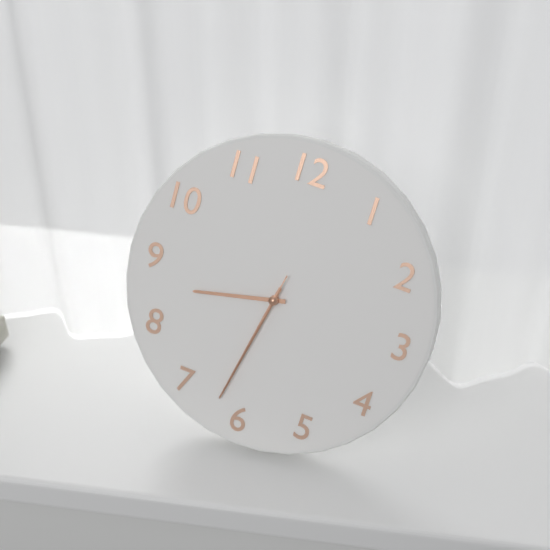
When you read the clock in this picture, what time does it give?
8:32:32
